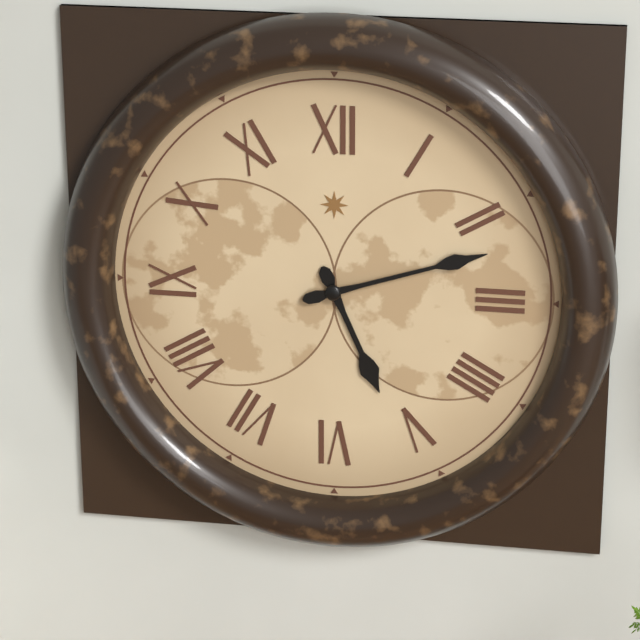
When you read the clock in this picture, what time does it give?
5:12
